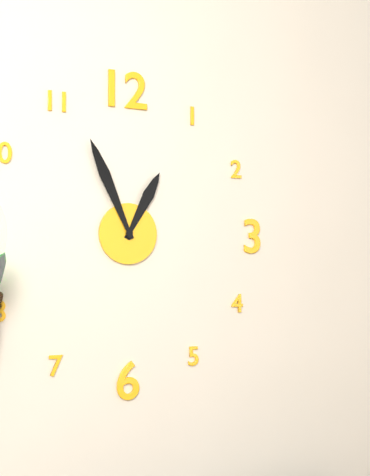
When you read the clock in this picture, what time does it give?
12:56
